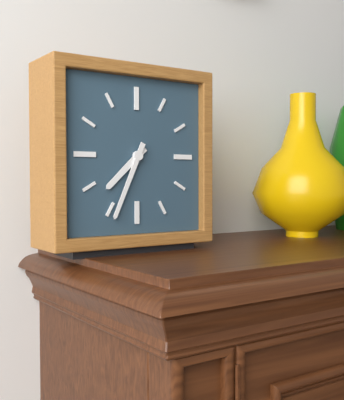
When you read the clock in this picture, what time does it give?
7:34
